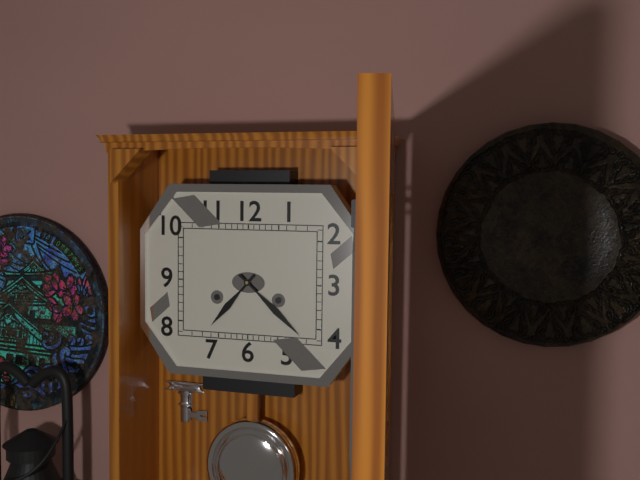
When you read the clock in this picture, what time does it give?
7:22
